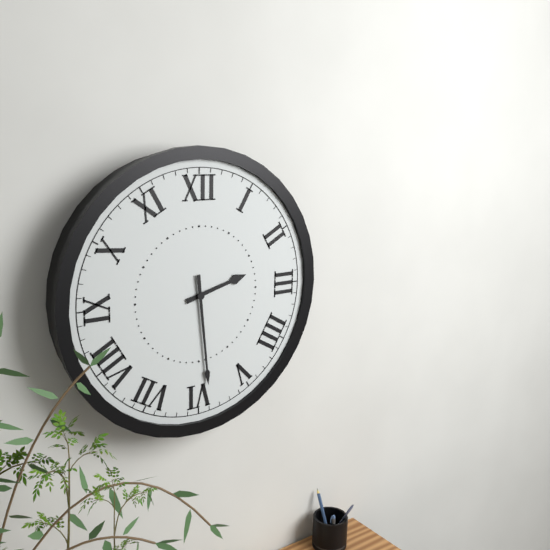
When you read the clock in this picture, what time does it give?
2:29
